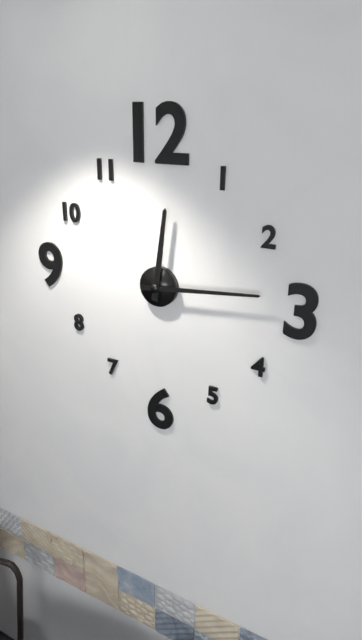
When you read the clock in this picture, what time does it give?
12:14
